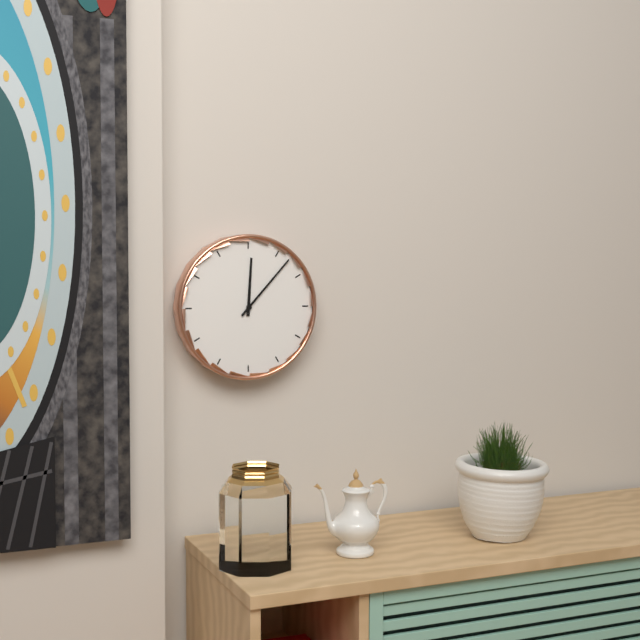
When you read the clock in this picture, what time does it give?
12:07
